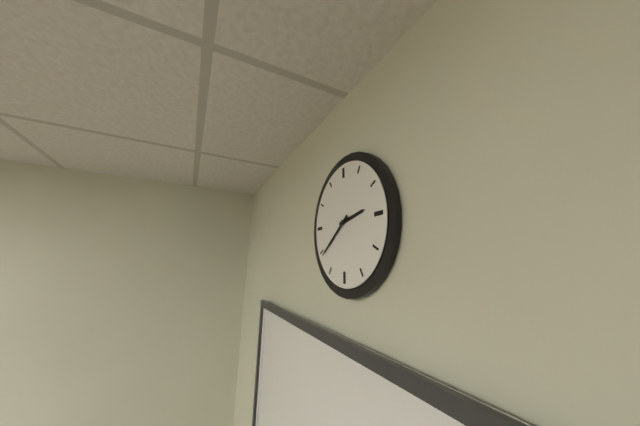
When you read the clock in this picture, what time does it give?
2:39
